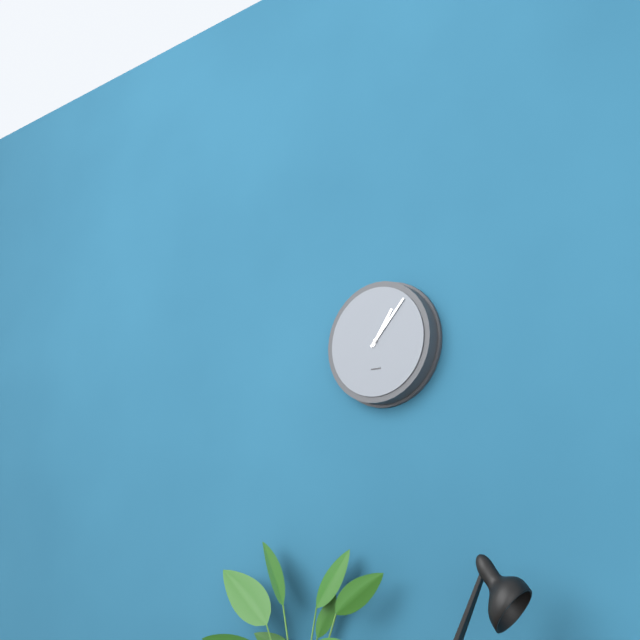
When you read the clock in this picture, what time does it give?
1:07
